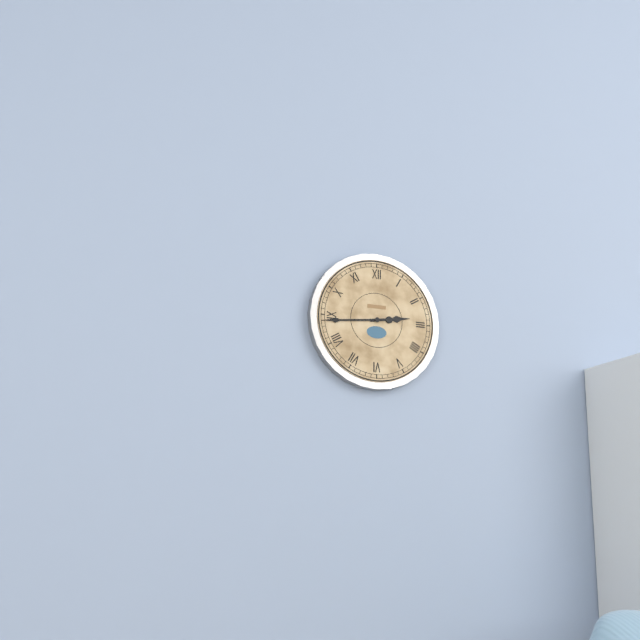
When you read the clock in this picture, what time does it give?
2:44
